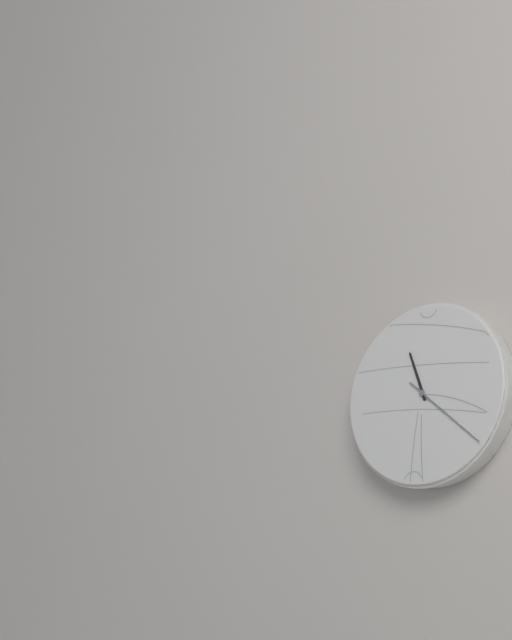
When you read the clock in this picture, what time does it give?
11:22
